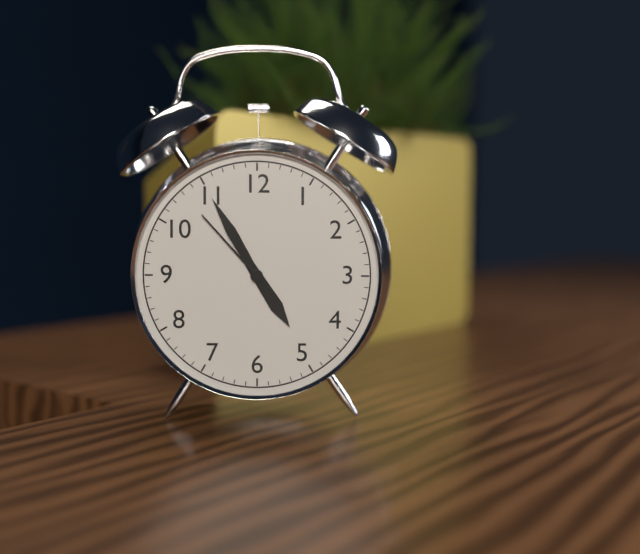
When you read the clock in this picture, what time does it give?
4:55:53
